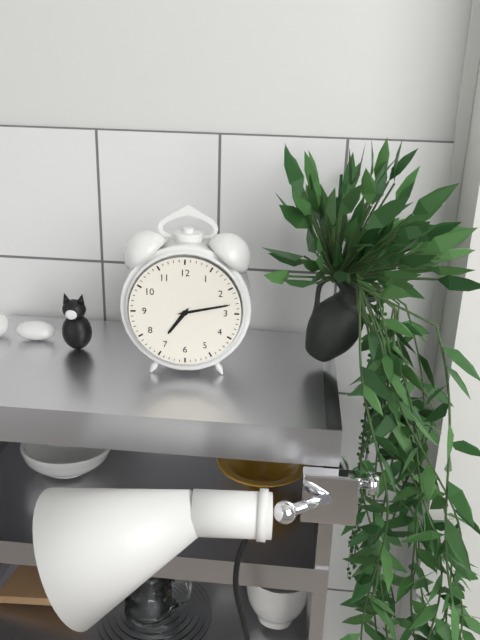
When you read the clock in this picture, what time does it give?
7:13
